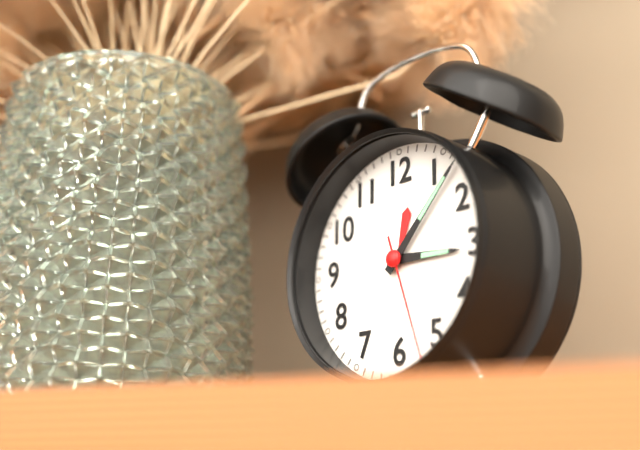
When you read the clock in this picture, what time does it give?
3:07:27
